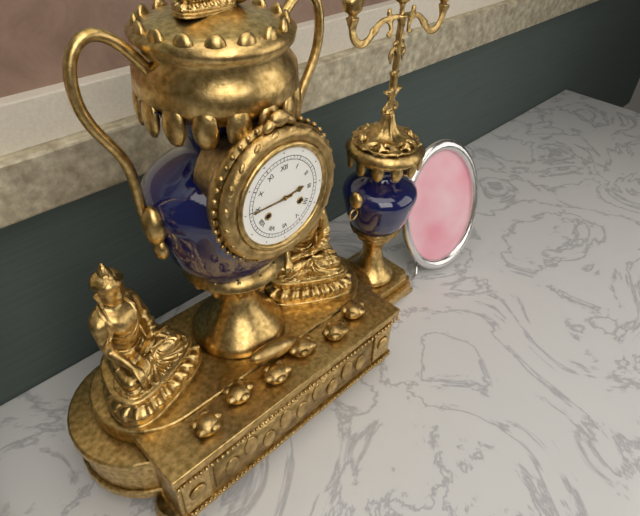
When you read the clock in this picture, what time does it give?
2:45
